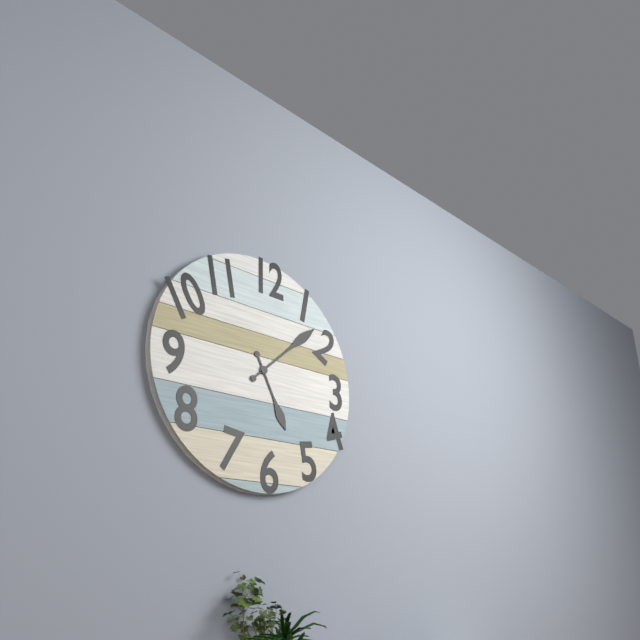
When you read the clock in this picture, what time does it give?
5:08
